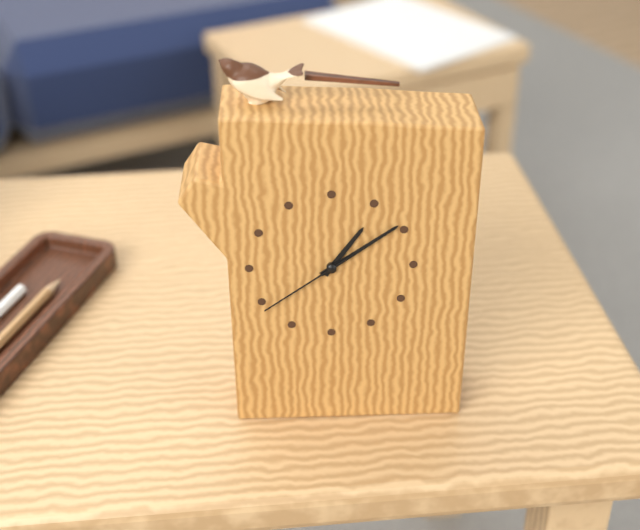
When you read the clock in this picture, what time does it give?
1:09:39
